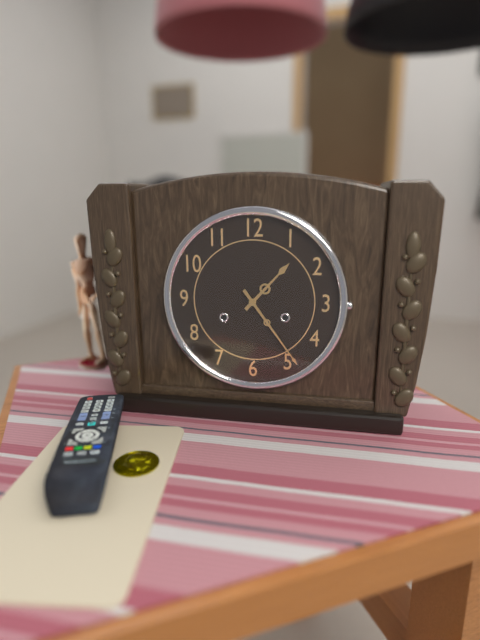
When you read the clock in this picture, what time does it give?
1:24
